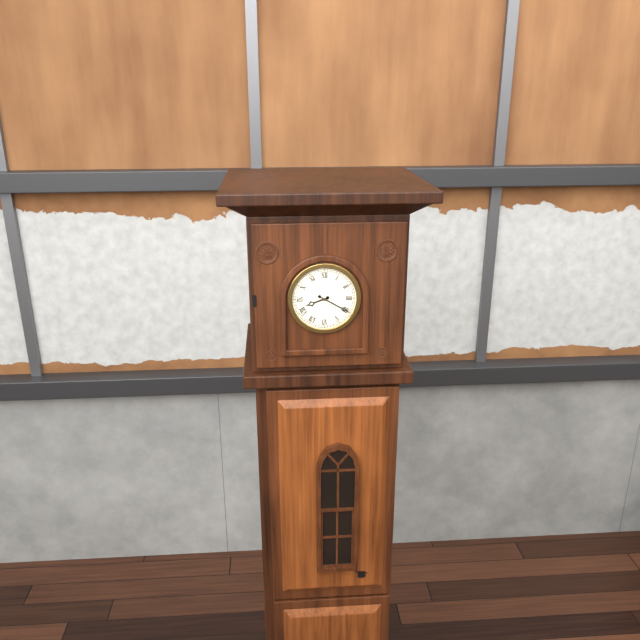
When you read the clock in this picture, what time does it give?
8:20
